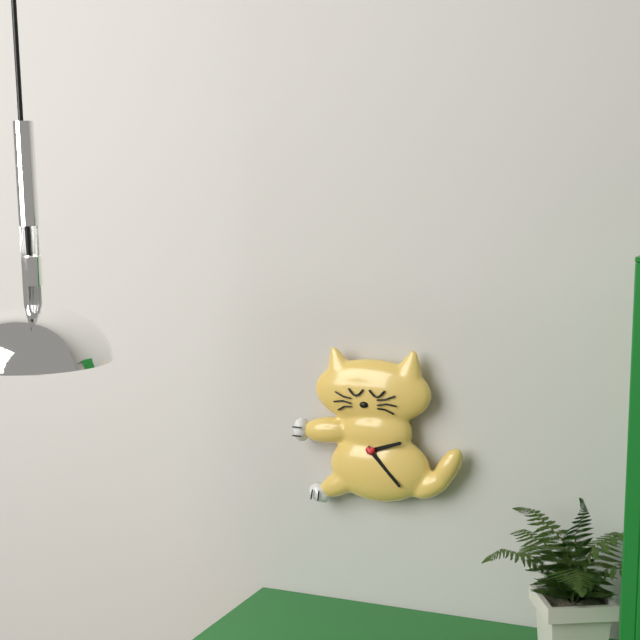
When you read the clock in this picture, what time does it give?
2:23
